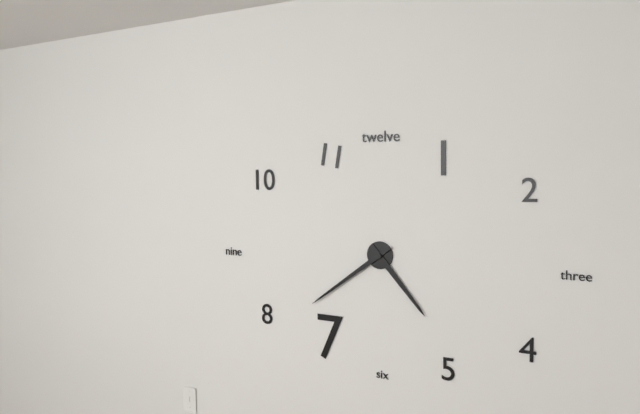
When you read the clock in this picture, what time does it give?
4:39
